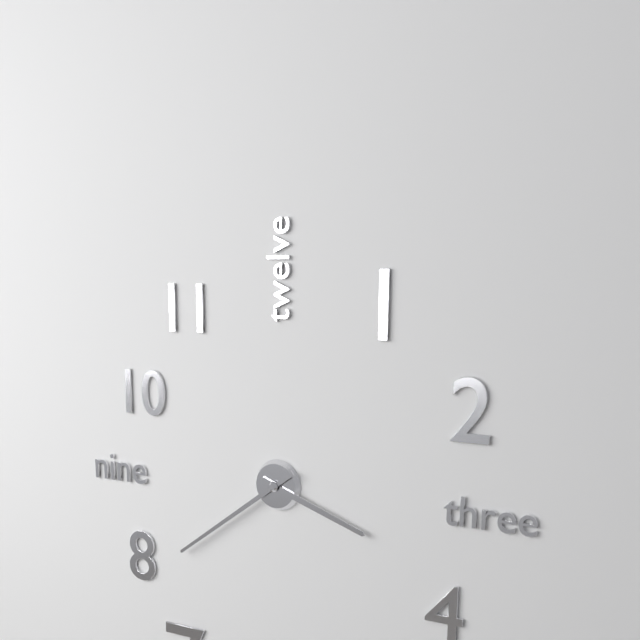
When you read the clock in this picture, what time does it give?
3:39
